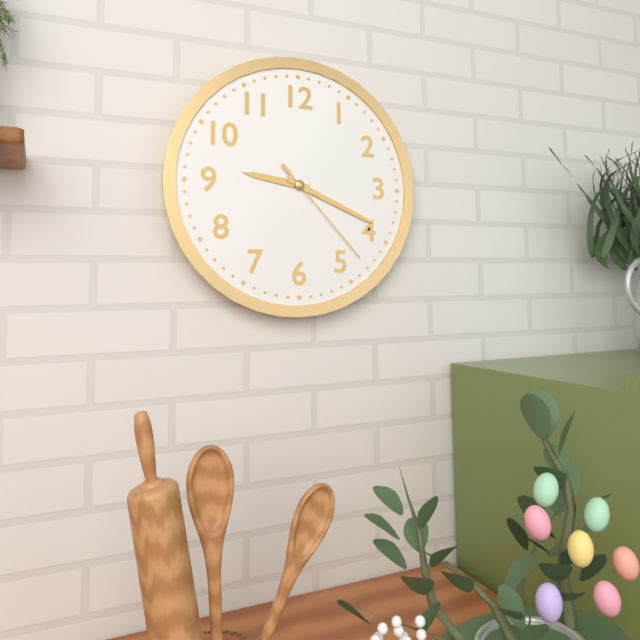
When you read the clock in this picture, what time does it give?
9:19:23
